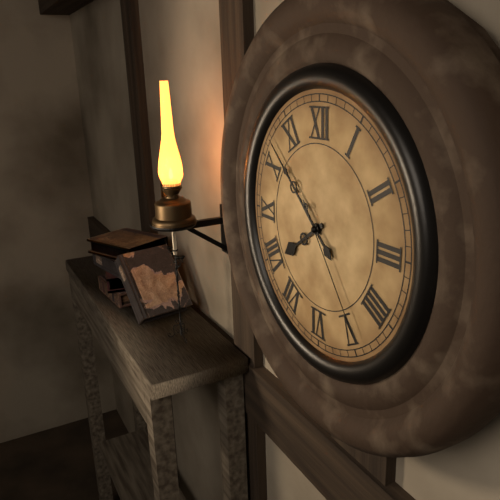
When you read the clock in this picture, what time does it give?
7:52:24
